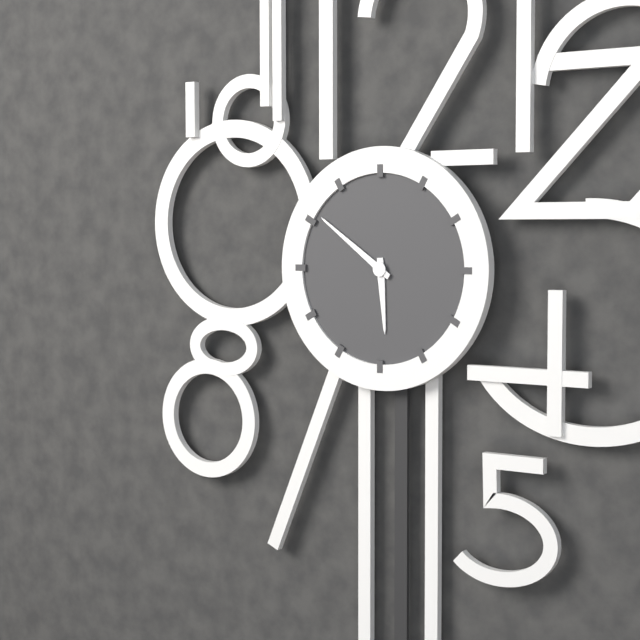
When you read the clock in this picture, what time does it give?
5:51
